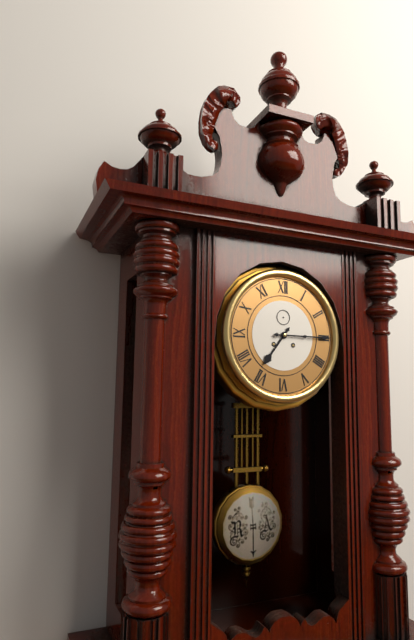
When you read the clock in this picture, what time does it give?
7:15
